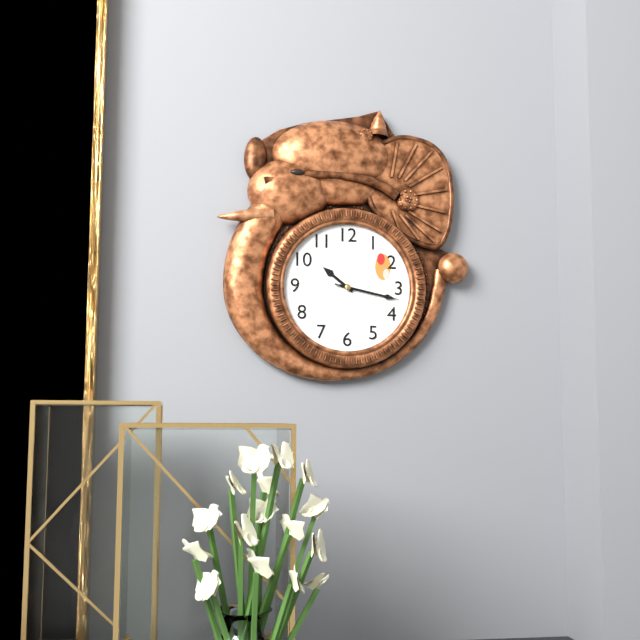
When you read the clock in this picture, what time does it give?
10:17:17
